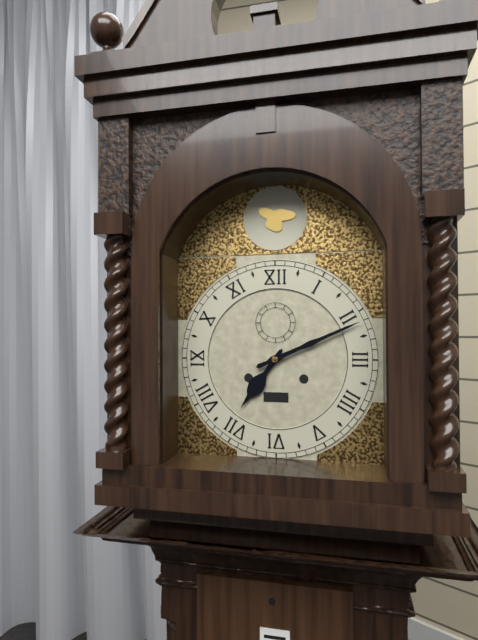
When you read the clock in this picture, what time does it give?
7:11
